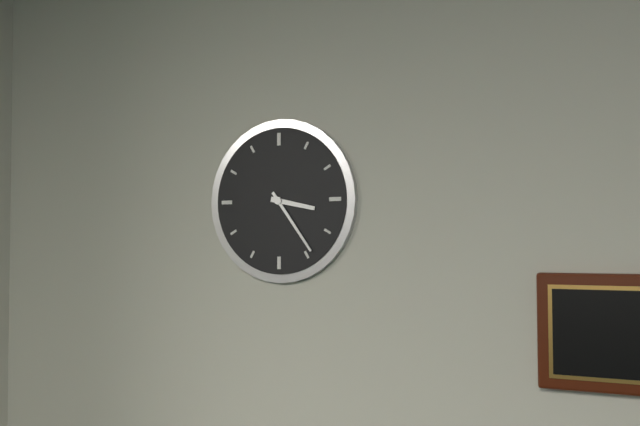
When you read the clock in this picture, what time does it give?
3:24
